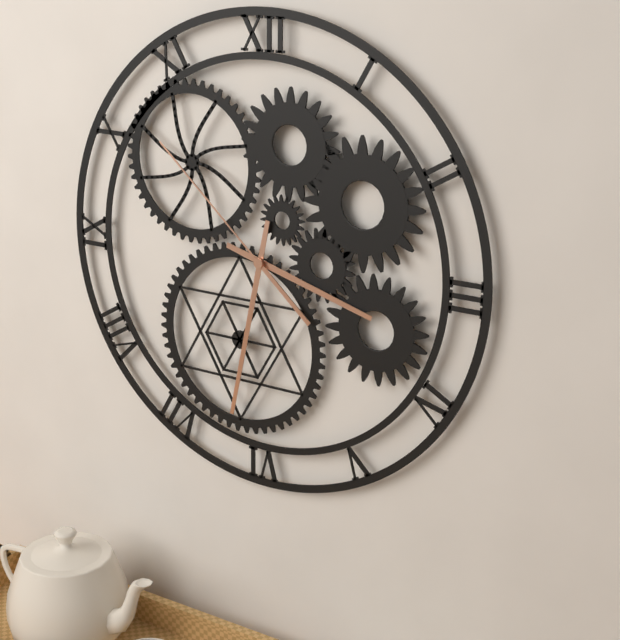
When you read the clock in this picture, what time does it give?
3:32:52
